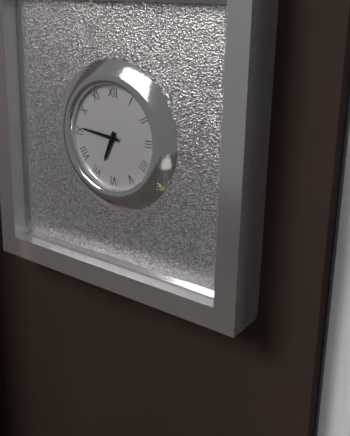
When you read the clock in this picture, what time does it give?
6:46
